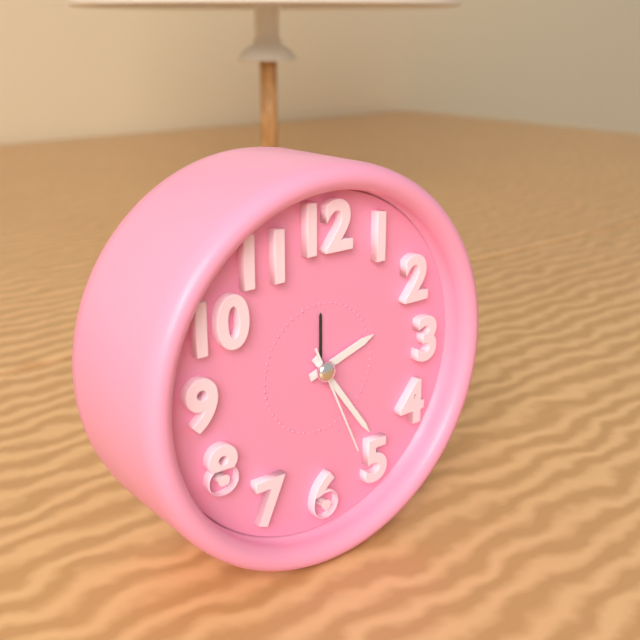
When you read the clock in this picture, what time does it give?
2:24:26
